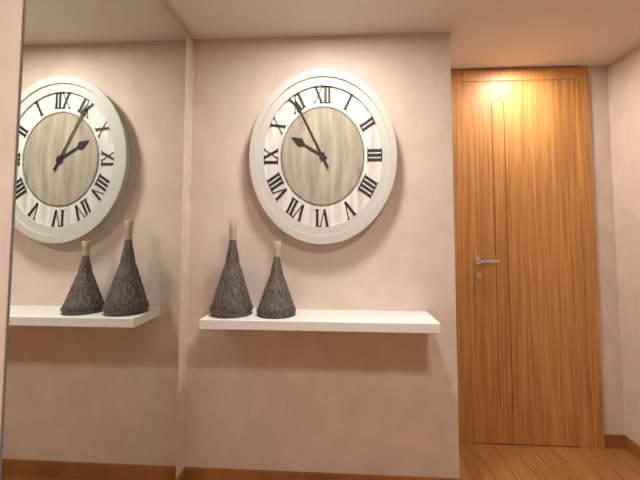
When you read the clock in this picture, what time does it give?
9:55
